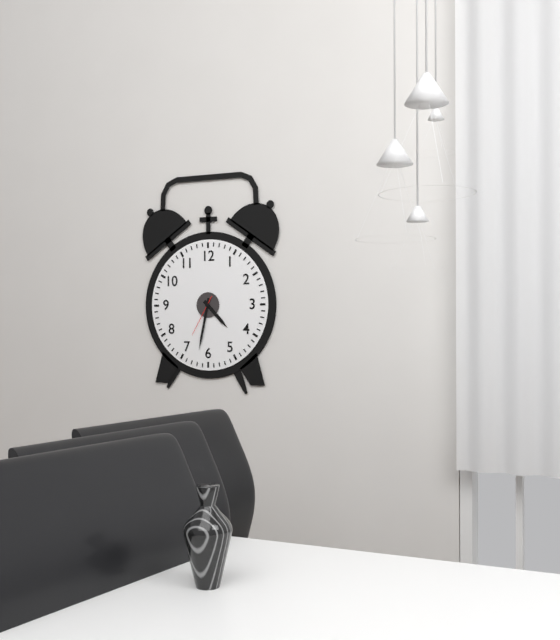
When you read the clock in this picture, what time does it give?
4:32
